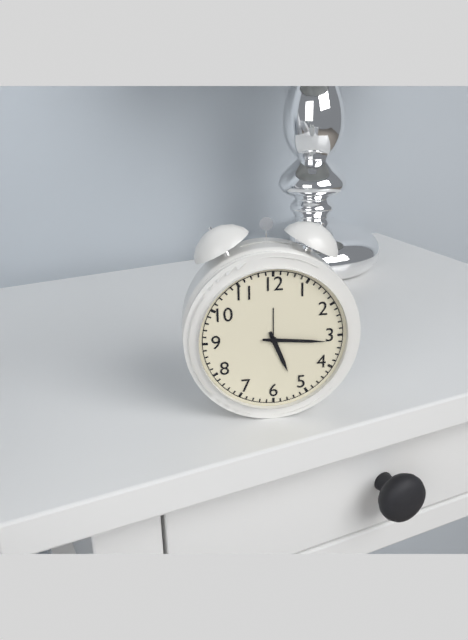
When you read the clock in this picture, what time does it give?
5:16
